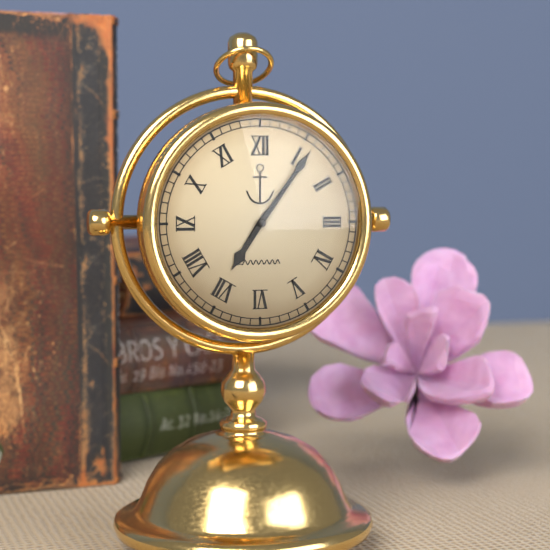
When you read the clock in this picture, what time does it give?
7:06
